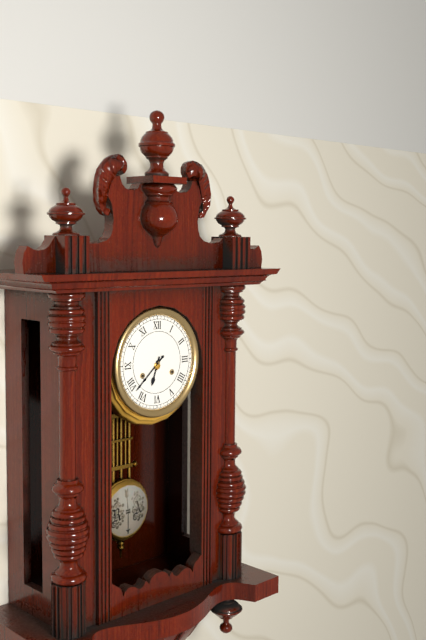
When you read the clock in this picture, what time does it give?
6:38
